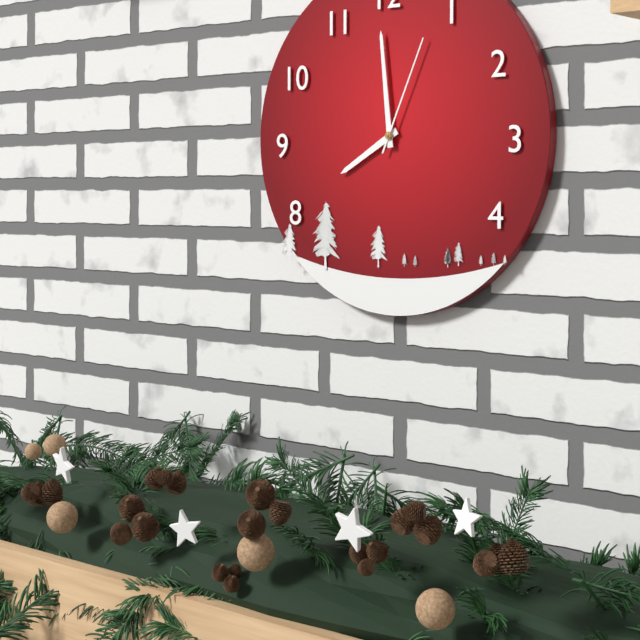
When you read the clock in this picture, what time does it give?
7:59:04
